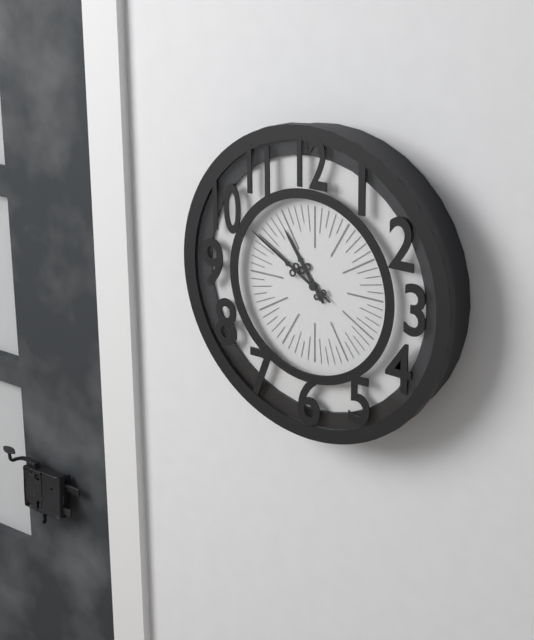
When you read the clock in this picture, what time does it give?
10:50
